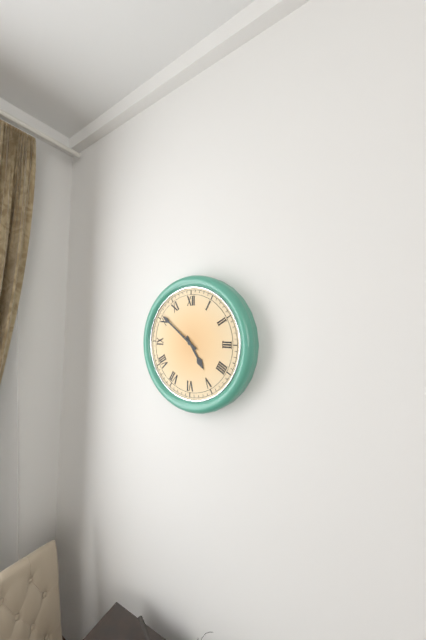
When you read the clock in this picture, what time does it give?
4:51
